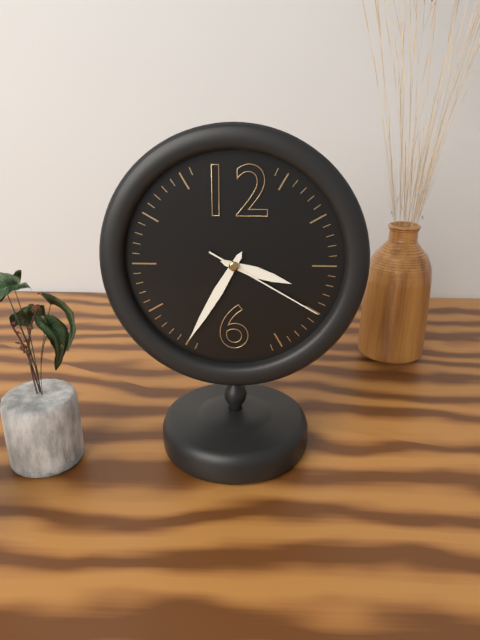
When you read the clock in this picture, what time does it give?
3:35:20
